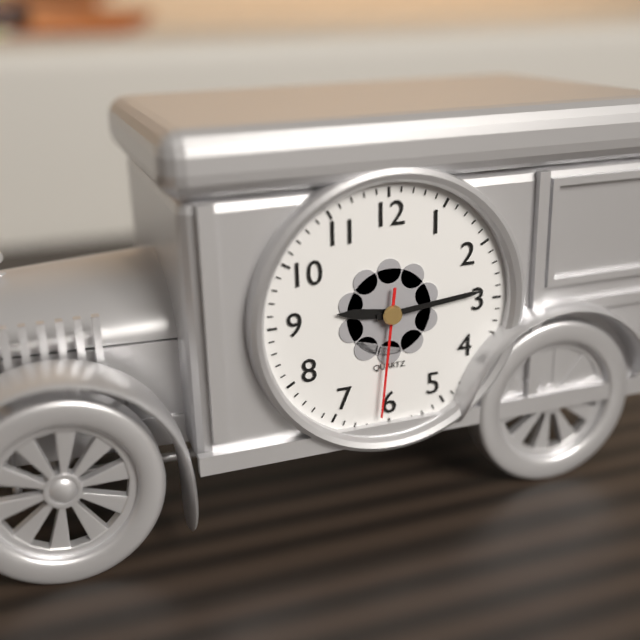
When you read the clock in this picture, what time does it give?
9:14:31
